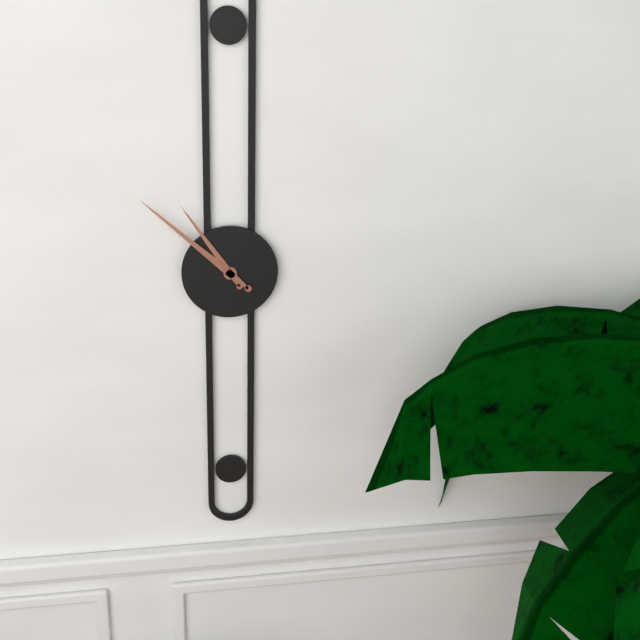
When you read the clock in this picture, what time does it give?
10:52
